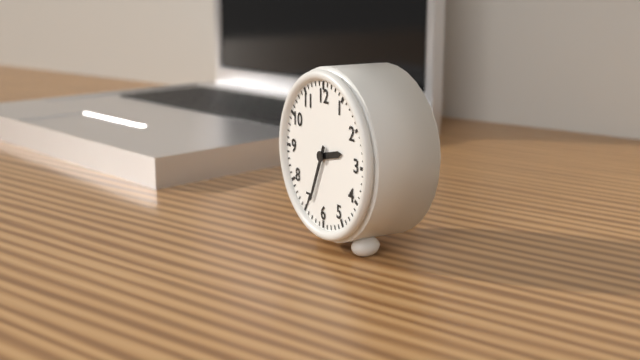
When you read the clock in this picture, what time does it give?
2:34
